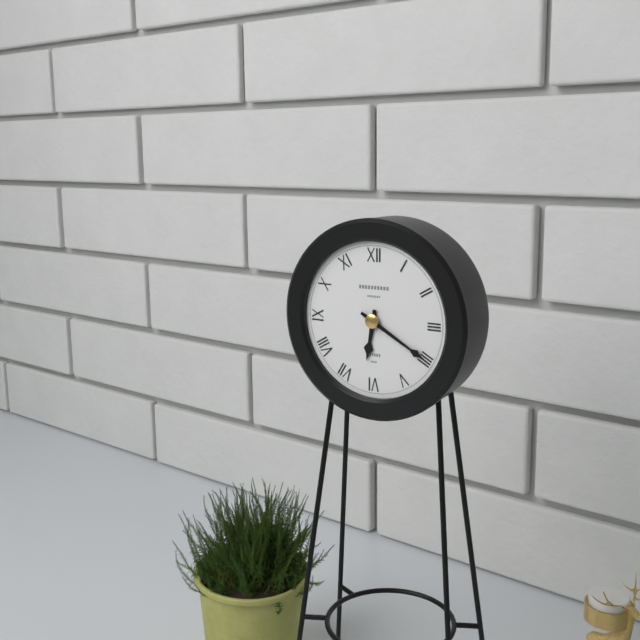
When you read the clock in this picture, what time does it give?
6:20
